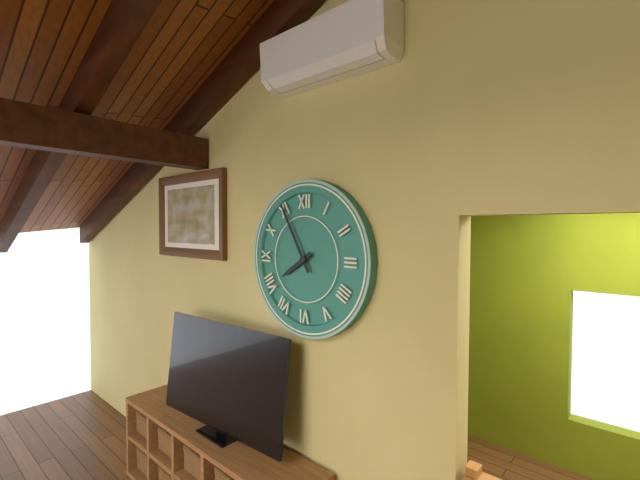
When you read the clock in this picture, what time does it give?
7:55
